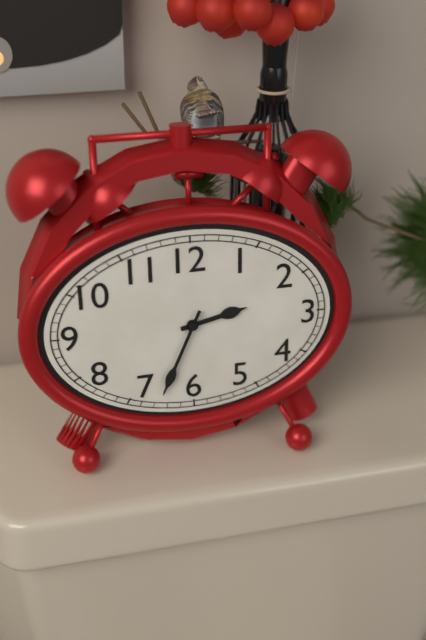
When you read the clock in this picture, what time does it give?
2:34
